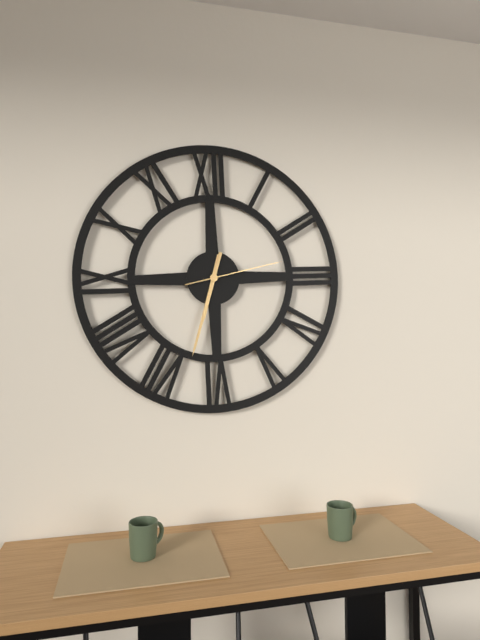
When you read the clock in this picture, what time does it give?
6:33:13
